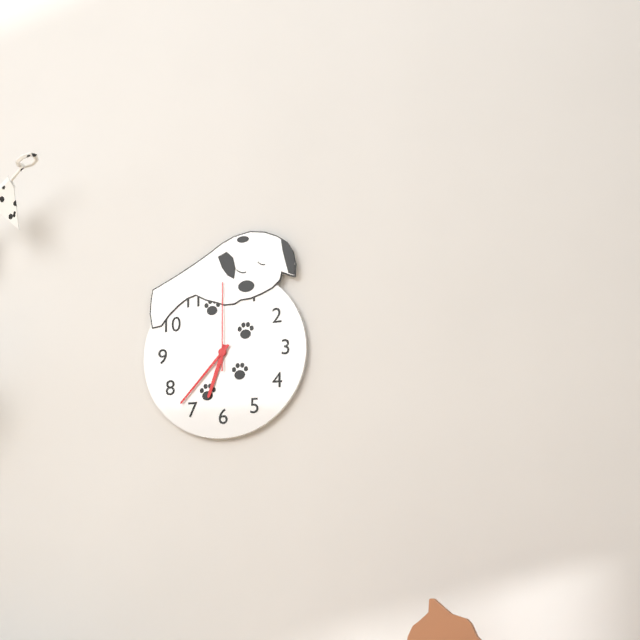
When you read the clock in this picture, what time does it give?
6:37:00
